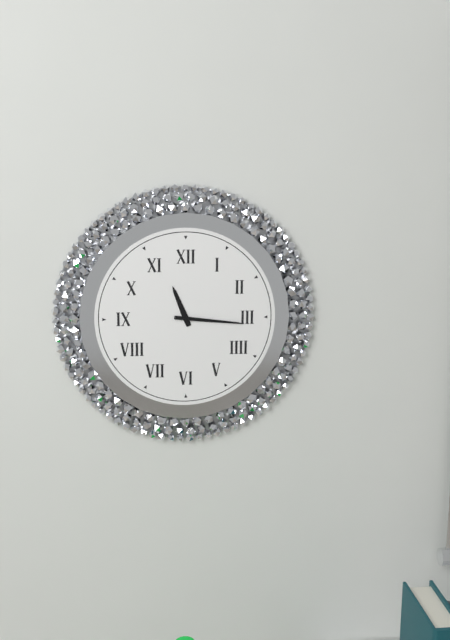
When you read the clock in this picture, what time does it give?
11:16
